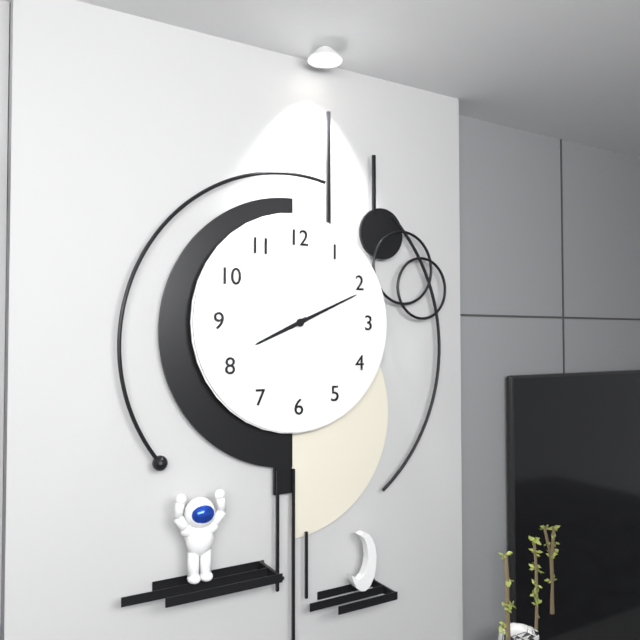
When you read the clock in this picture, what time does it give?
8:11
